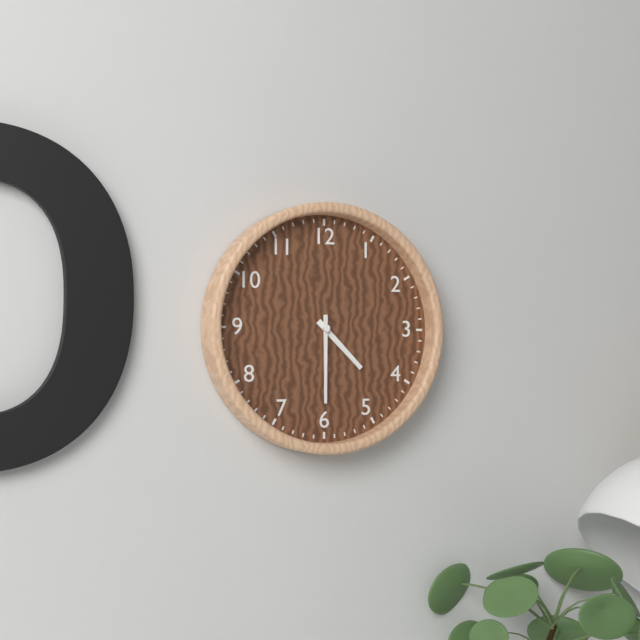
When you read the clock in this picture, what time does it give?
4:30
